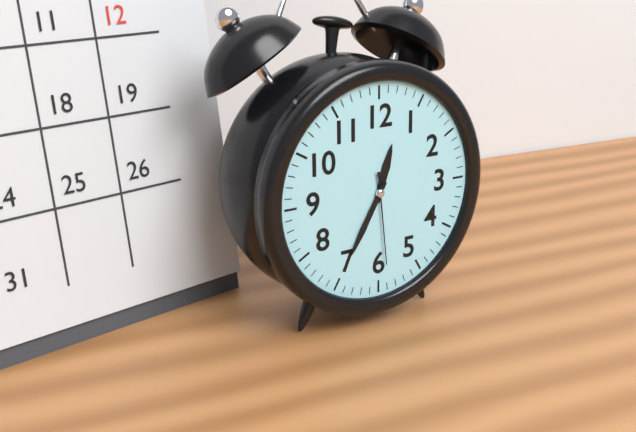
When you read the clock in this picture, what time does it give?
12:35:29
